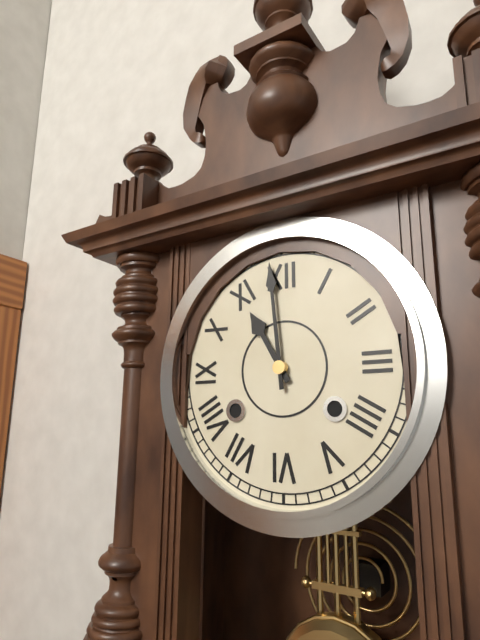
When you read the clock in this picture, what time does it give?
10:59
